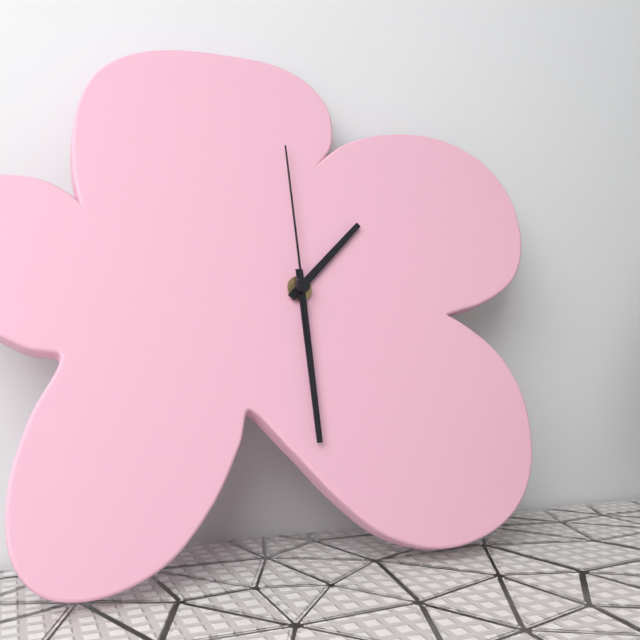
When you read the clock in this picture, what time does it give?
1:30:00
